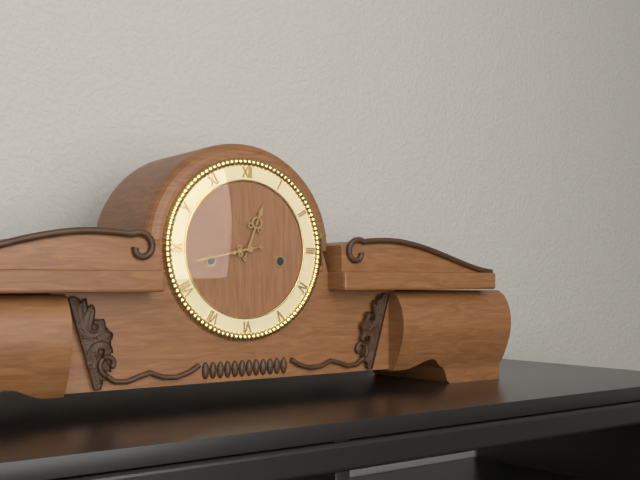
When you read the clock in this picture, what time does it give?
12:43
